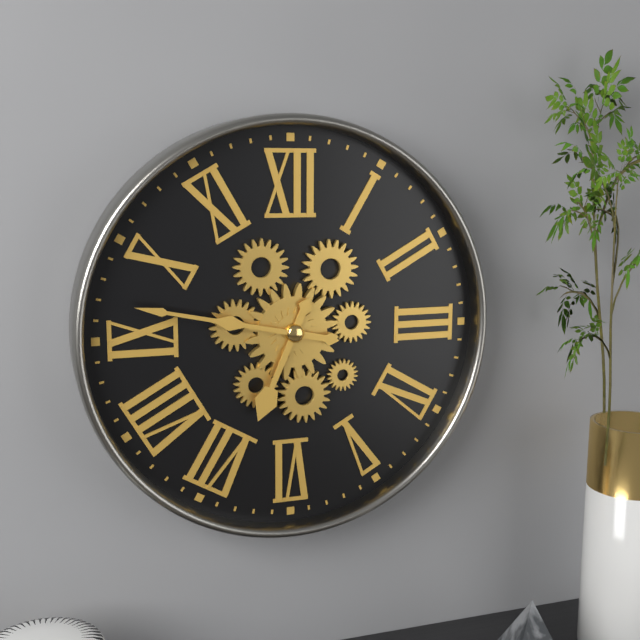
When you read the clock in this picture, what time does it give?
6:47
